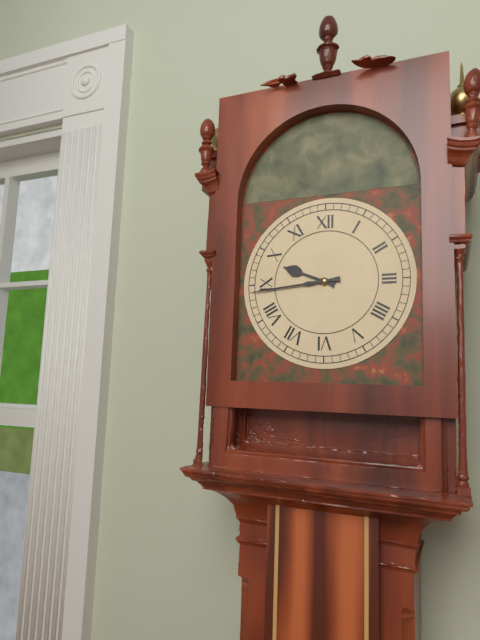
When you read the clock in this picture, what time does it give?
9:44
